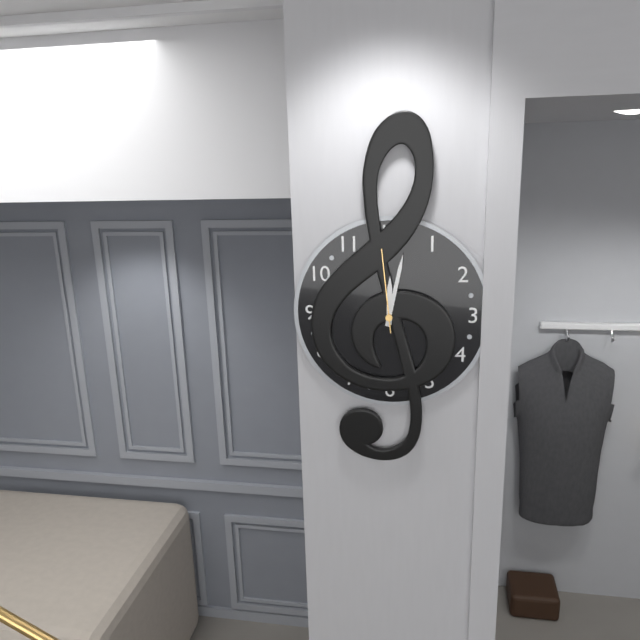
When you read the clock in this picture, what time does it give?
12:02:59
